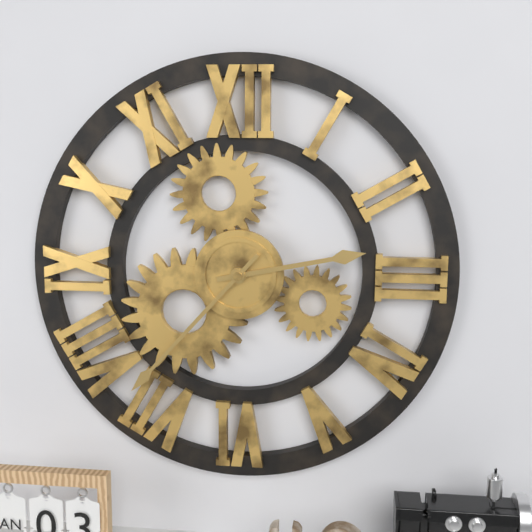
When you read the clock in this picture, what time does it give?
2:37
